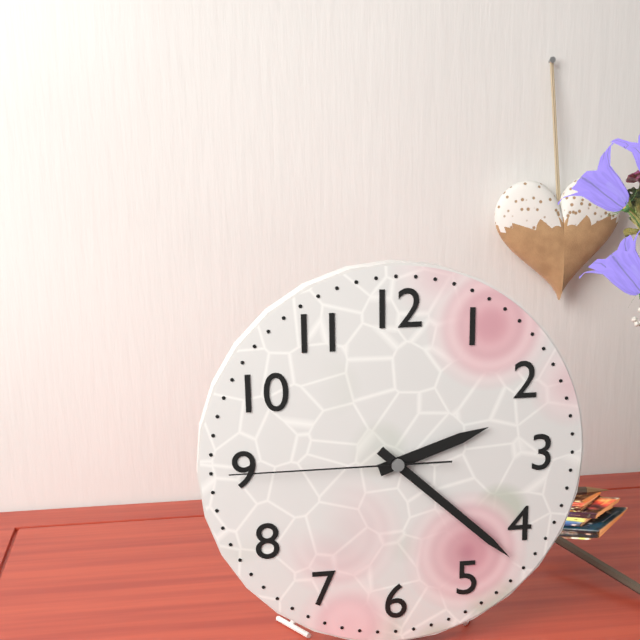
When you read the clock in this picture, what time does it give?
2:22:45
